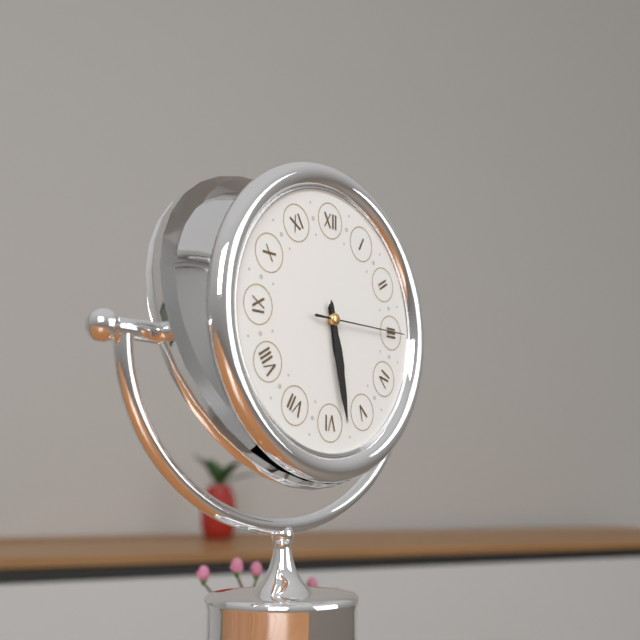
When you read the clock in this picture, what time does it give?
5:28:15
